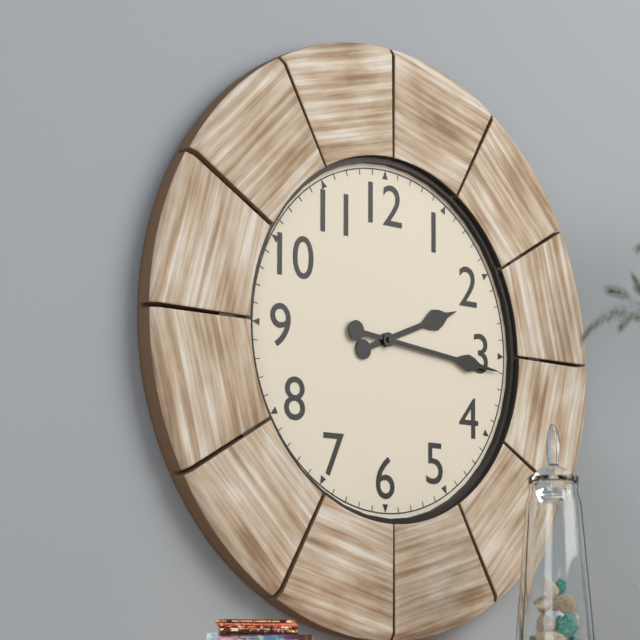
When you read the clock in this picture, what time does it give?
2:16
